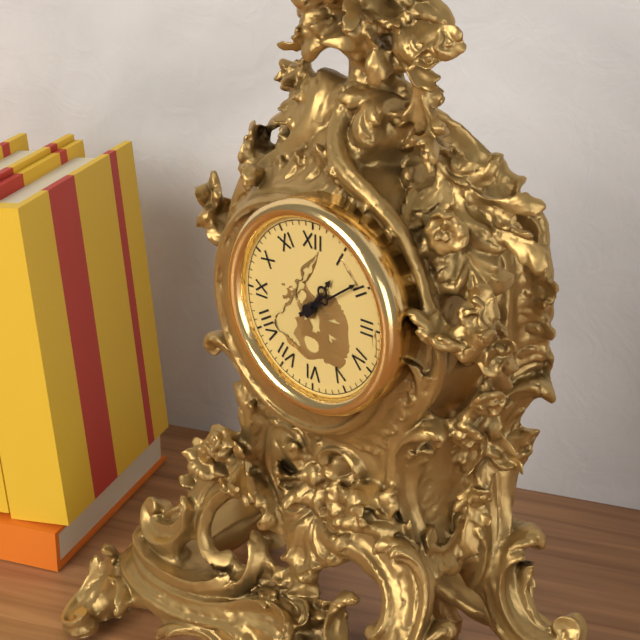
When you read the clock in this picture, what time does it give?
1:09
